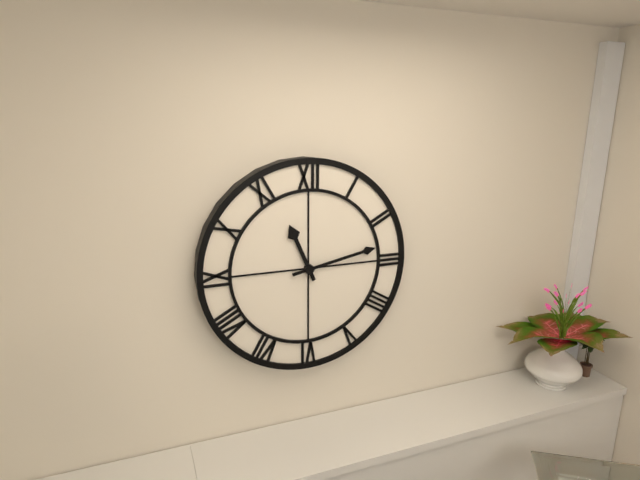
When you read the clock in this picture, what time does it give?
11:13
